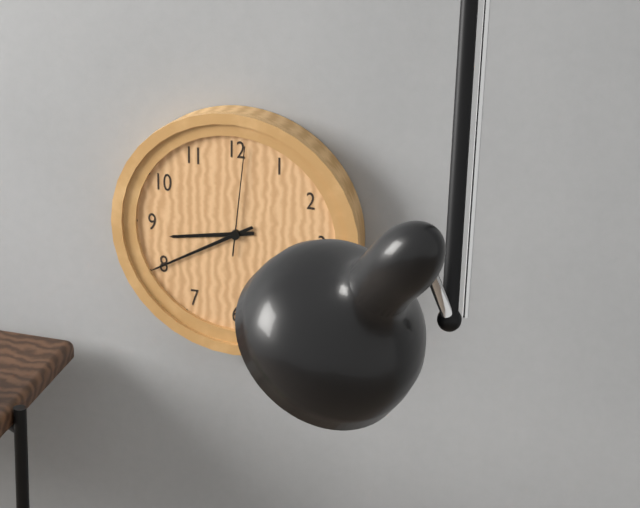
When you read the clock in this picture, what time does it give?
8:40:01
